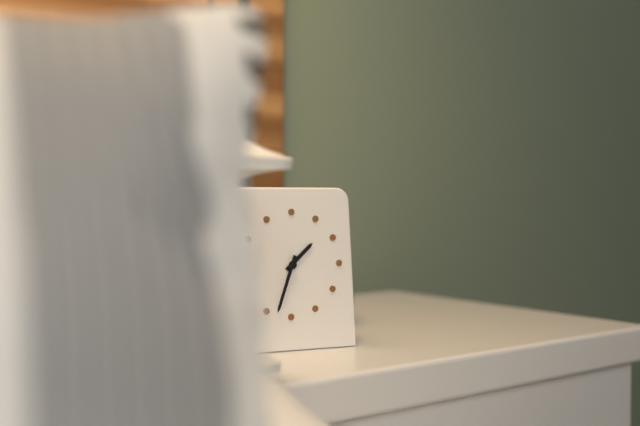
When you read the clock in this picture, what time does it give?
1:33
